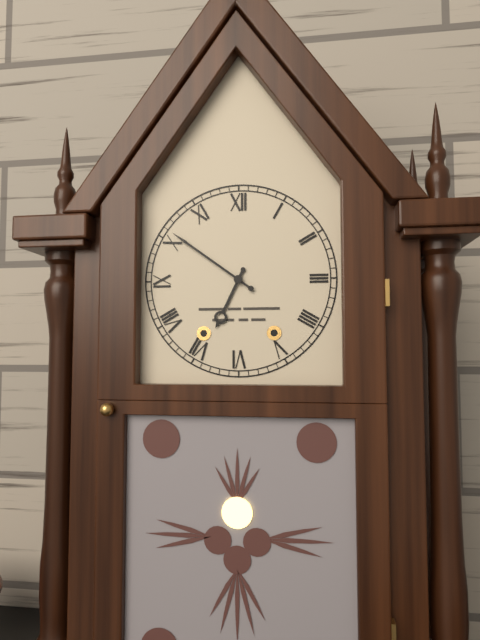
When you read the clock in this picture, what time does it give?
6:51
